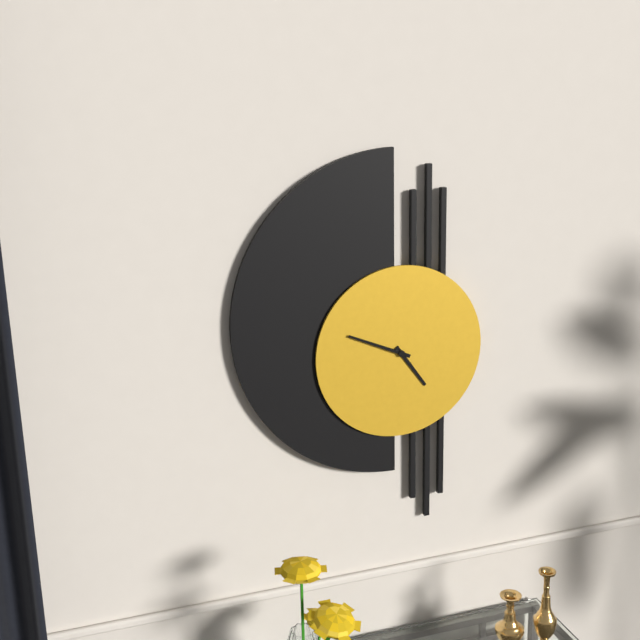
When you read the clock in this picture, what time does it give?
4:49
